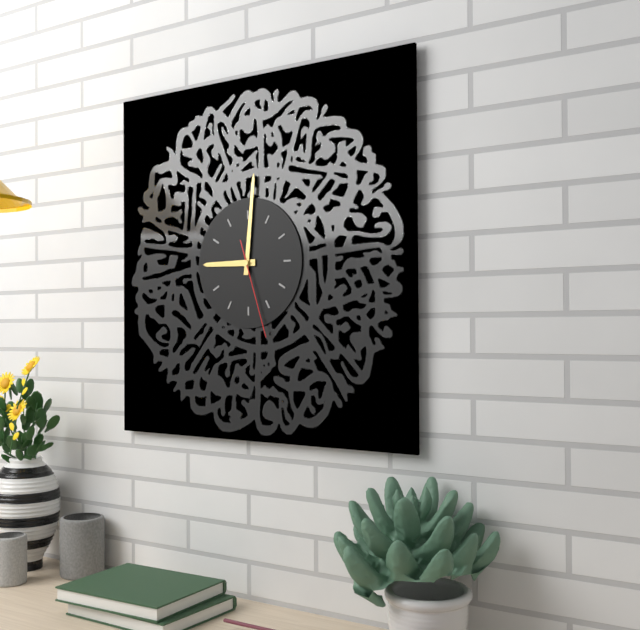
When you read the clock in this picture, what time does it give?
9:01:27
